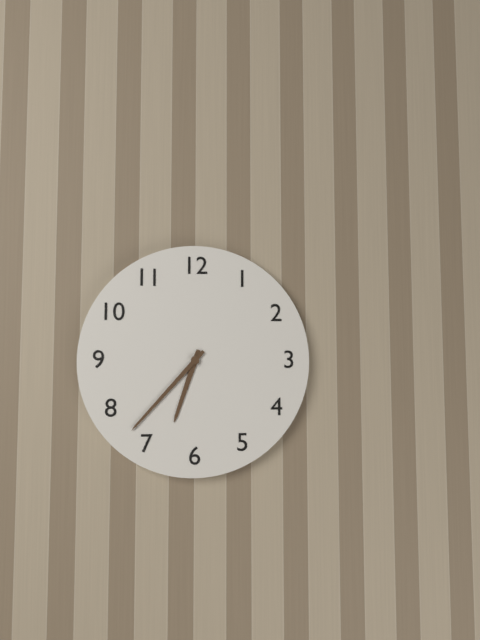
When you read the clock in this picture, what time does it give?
6:37
